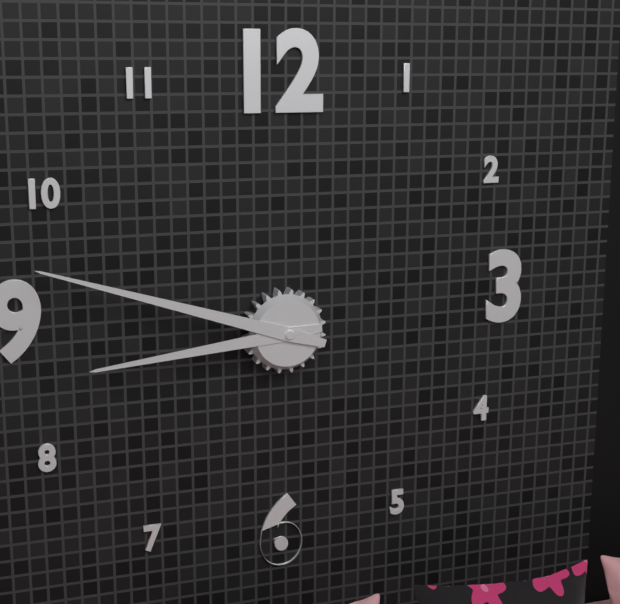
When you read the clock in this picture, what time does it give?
8:48
